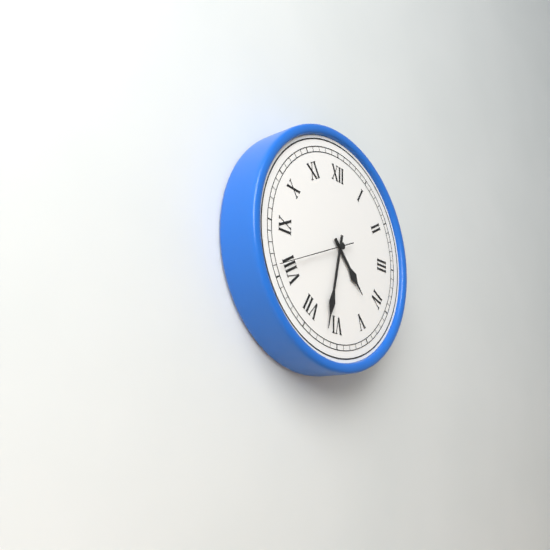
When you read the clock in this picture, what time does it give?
4:32:41
